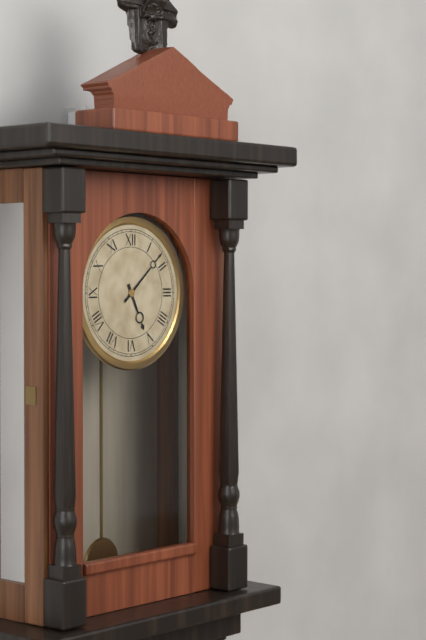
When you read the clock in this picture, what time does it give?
5:08
